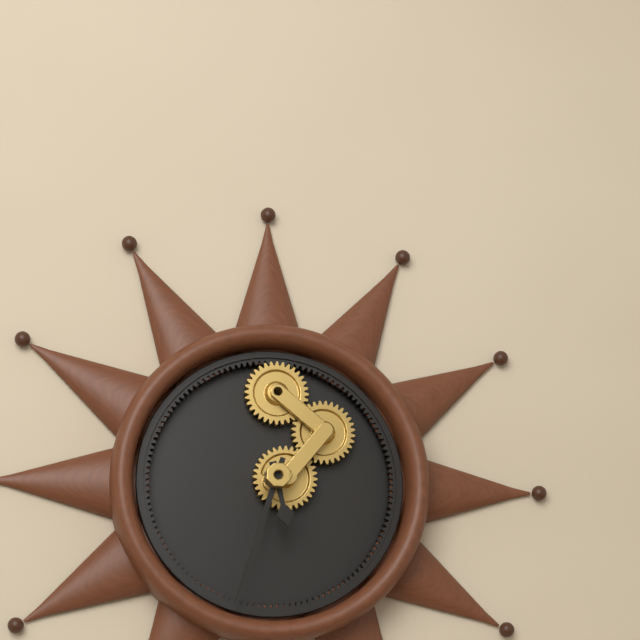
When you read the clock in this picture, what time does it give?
5:33
